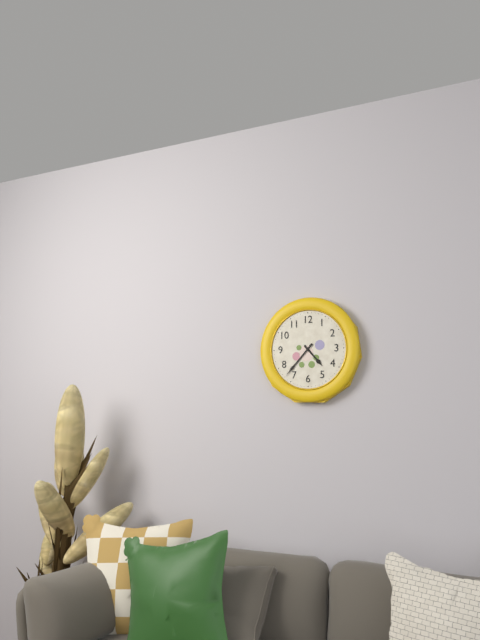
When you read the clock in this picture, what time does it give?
4:37
